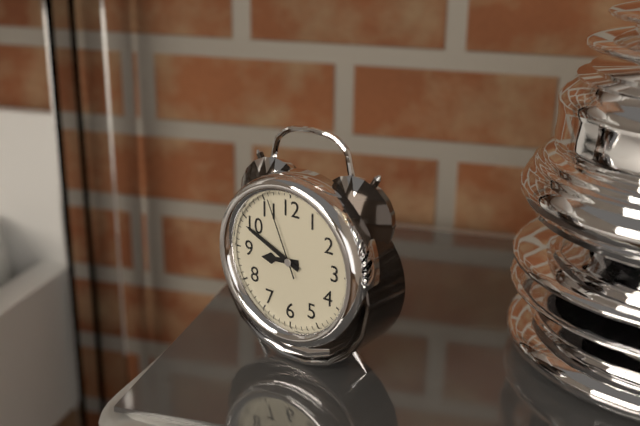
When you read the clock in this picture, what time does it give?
8:49:56
